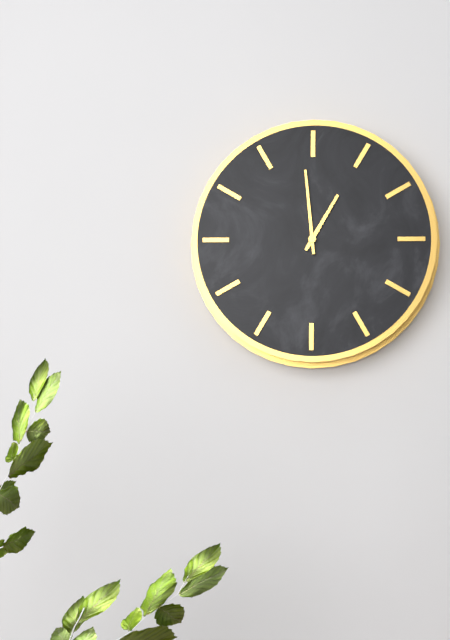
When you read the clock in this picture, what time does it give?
12:59
